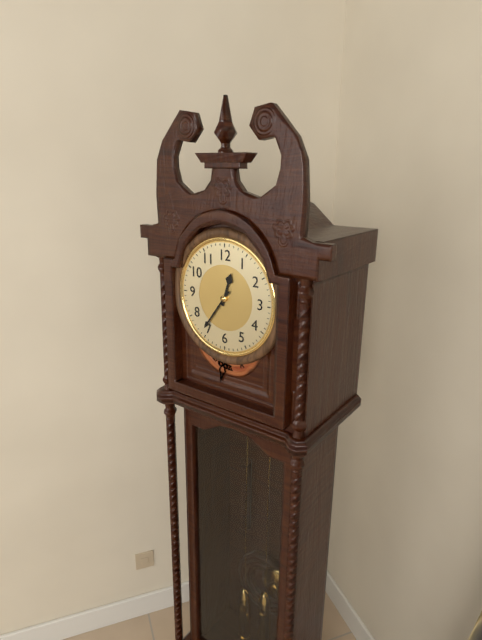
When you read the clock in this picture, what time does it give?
12:36
